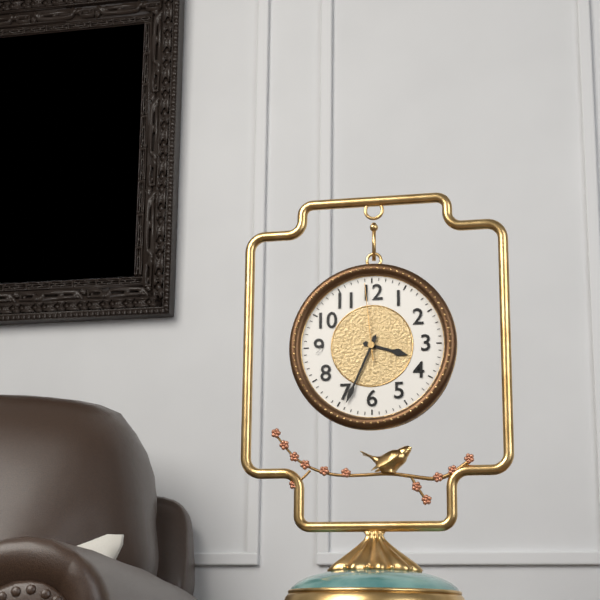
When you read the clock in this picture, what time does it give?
3:34:59
